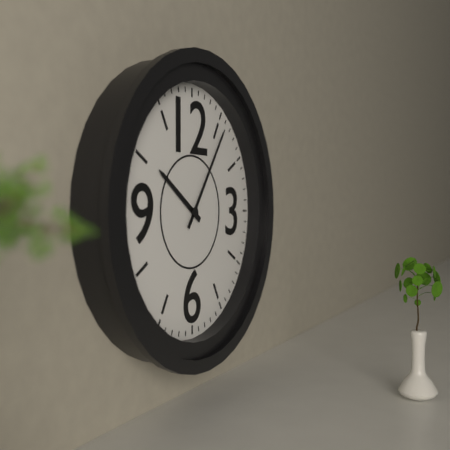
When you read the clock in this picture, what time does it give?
10:06
